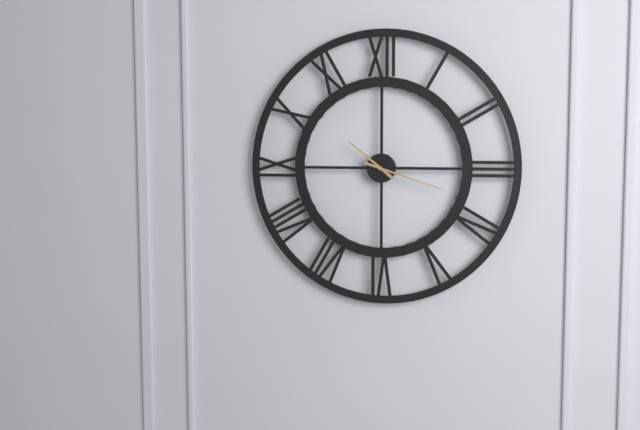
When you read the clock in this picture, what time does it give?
10:18
